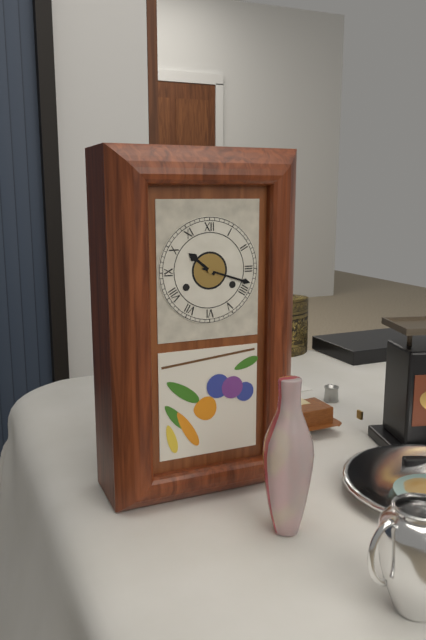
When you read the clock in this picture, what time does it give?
10:18
